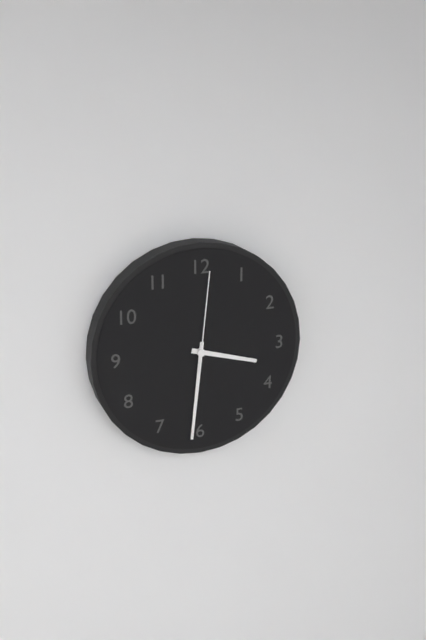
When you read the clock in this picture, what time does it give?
3:31:01
